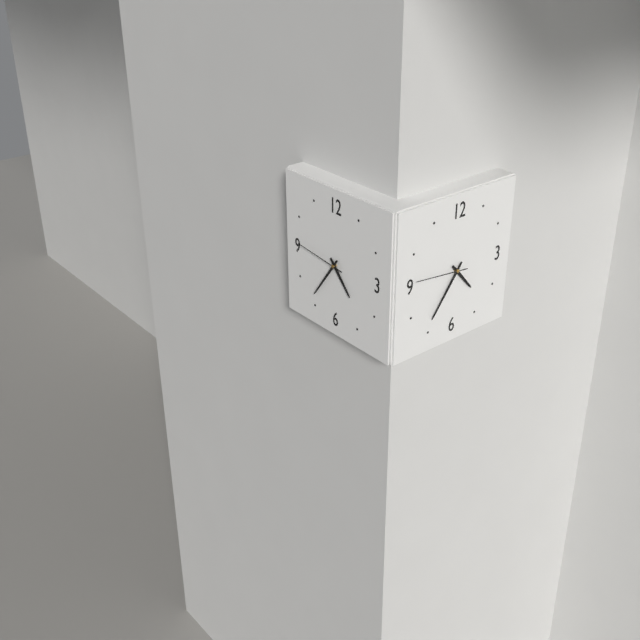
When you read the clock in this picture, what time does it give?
4:36:46
